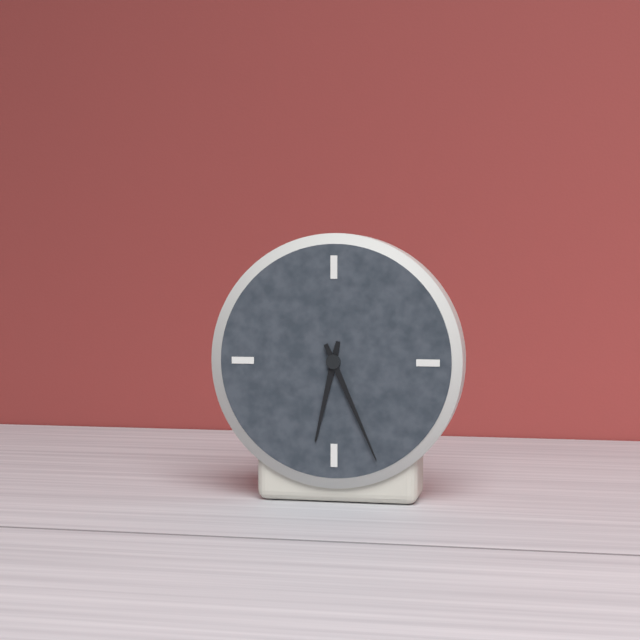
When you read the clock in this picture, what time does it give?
6:26
